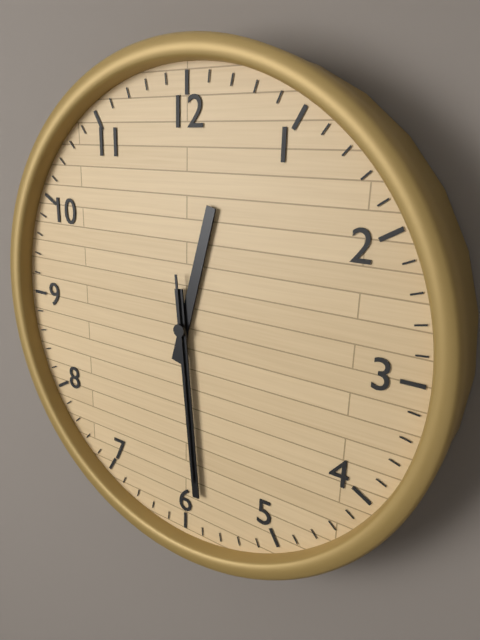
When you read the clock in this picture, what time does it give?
12:29:29
